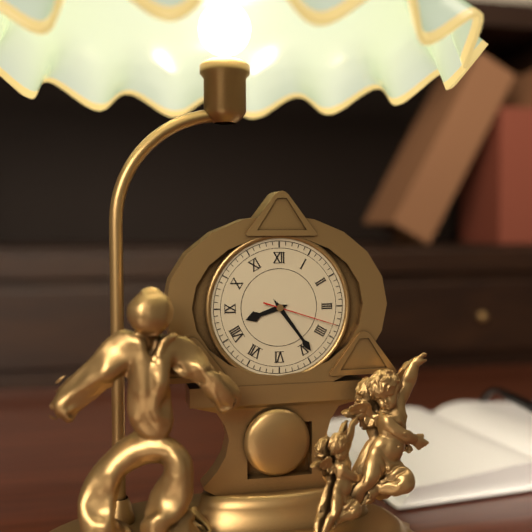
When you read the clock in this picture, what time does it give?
8:24:18
